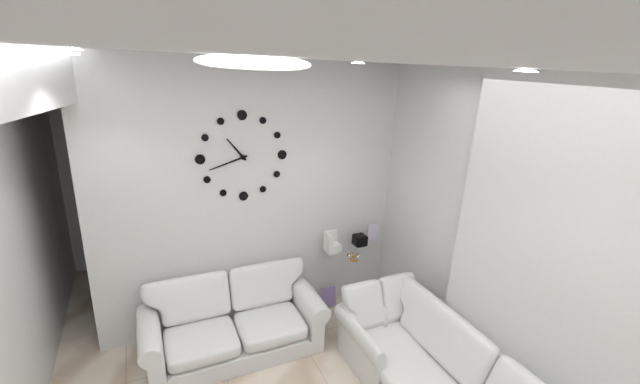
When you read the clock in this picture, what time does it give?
10:42
